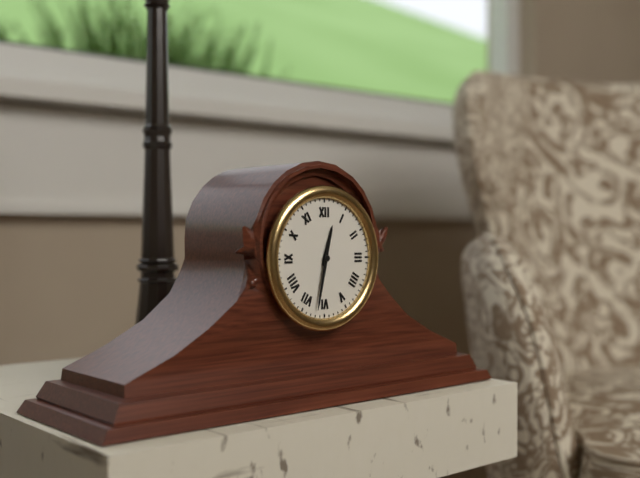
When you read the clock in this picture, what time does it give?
12:32
